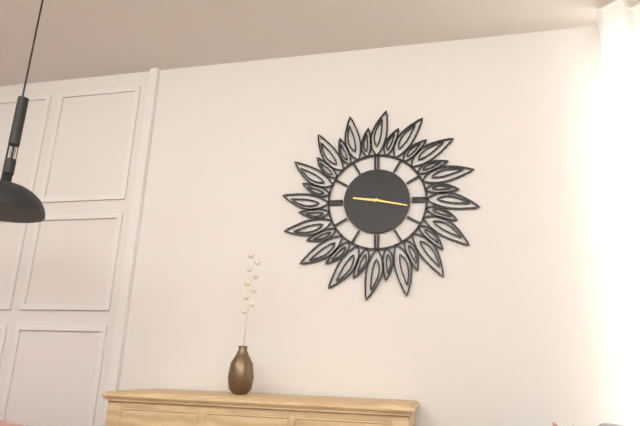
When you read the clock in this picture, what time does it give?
9:17
